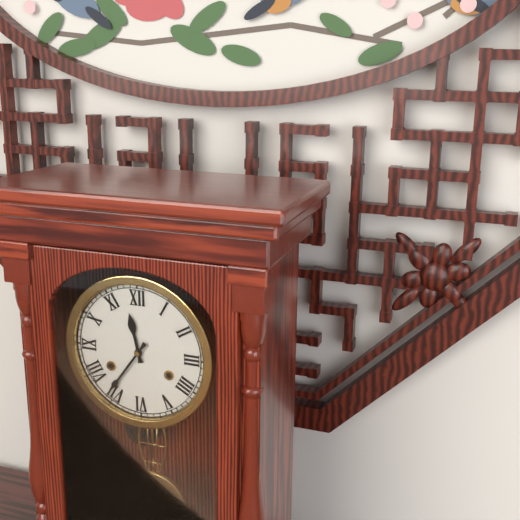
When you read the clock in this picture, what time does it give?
11:36
